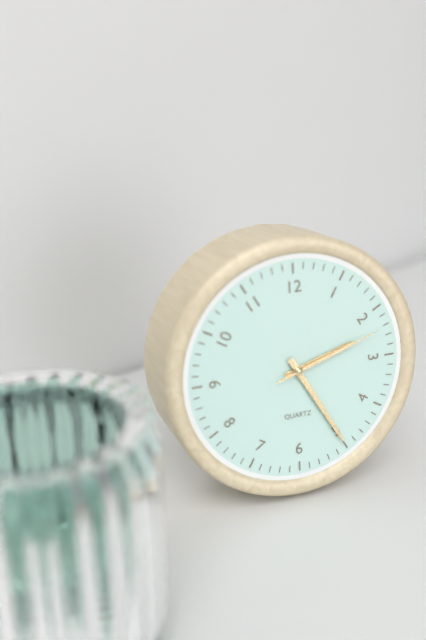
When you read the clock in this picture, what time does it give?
2:25:12
